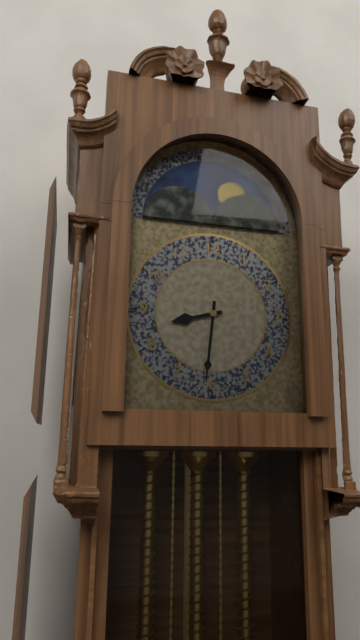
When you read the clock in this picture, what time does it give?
8:31
